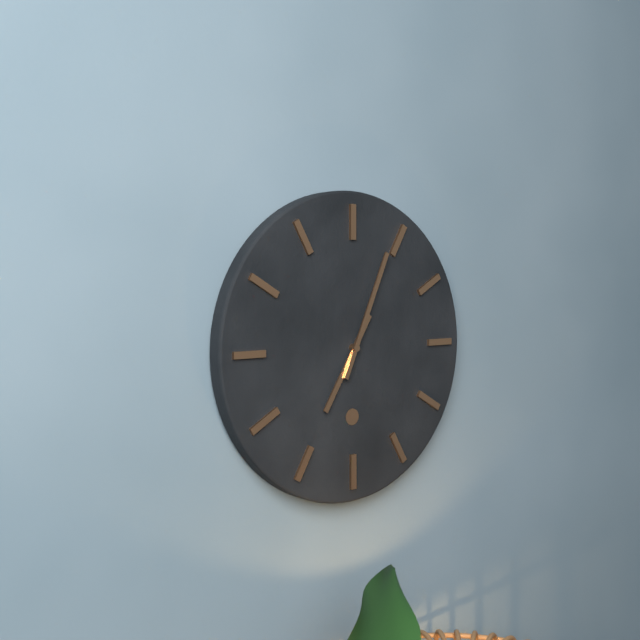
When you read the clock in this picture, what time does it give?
7:04
